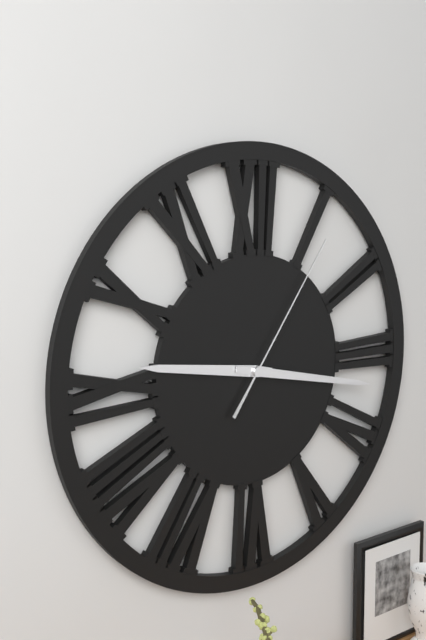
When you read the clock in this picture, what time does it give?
9:17:06
